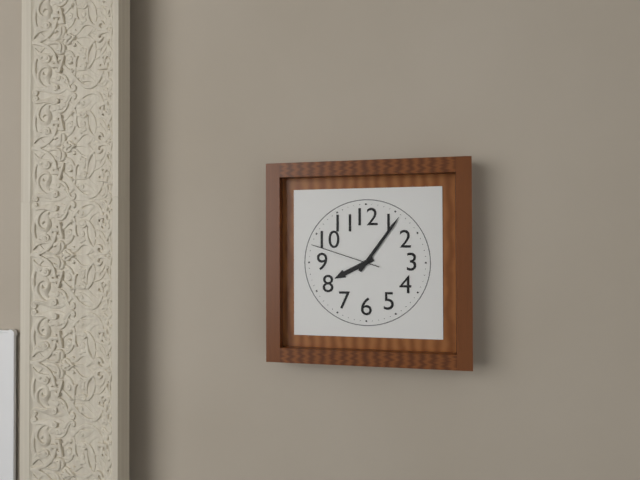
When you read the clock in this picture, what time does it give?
8:06:48
